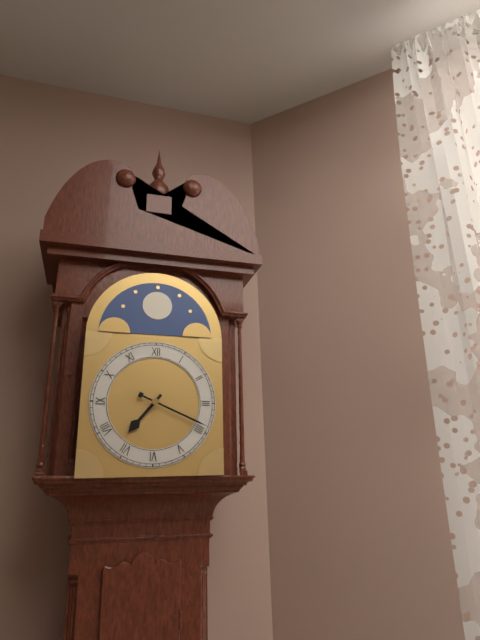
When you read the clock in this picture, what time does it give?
7:19
